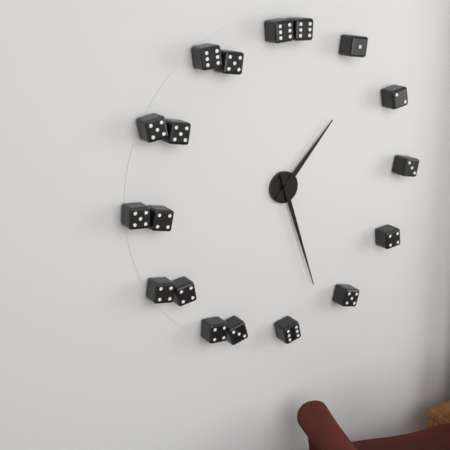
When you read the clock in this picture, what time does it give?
1:27
